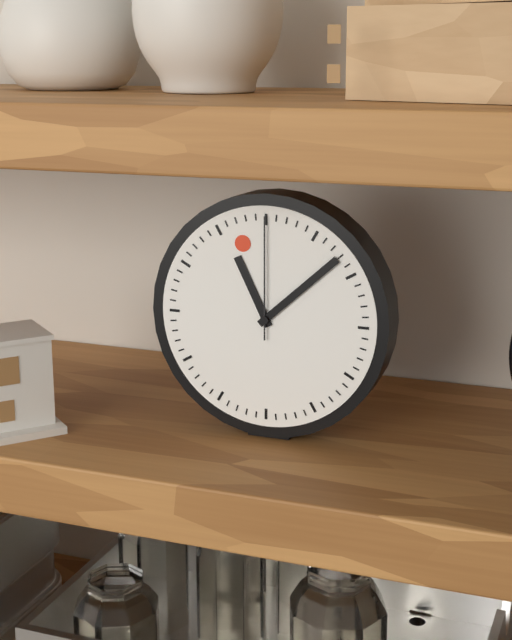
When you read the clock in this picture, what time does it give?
11:08:00
